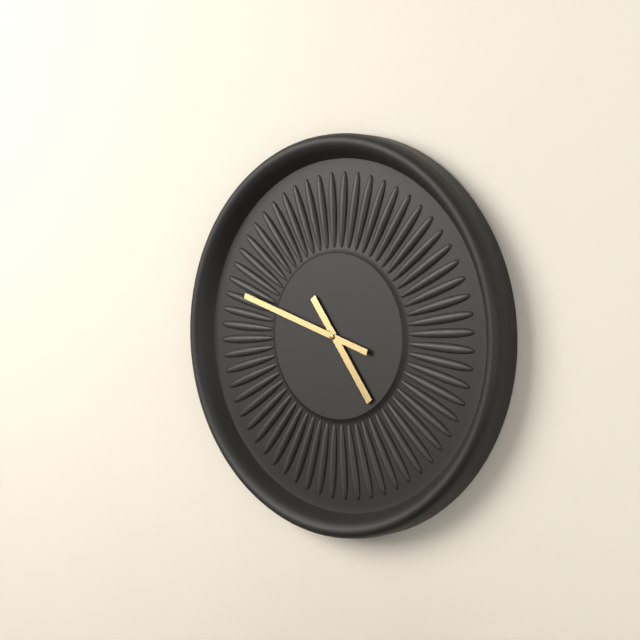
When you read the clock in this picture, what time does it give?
4:48
